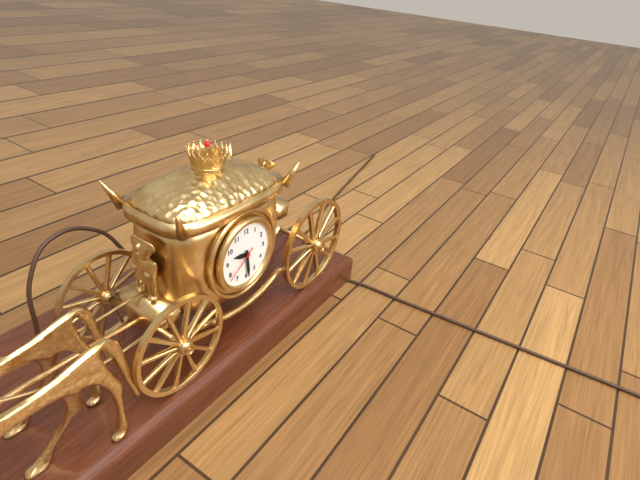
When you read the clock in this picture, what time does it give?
9:29
